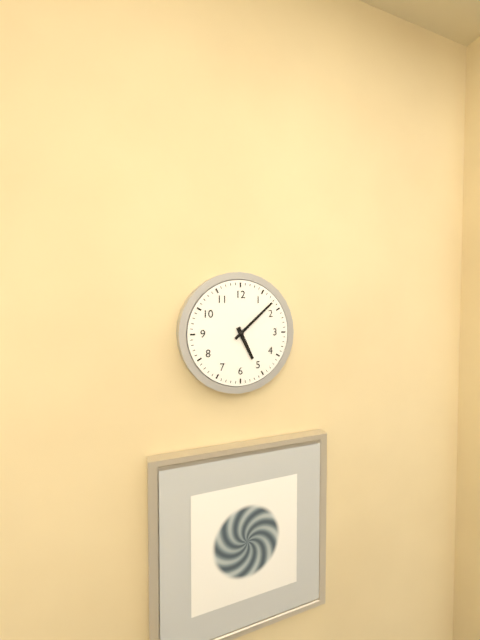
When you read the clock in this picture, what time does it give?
5:08
